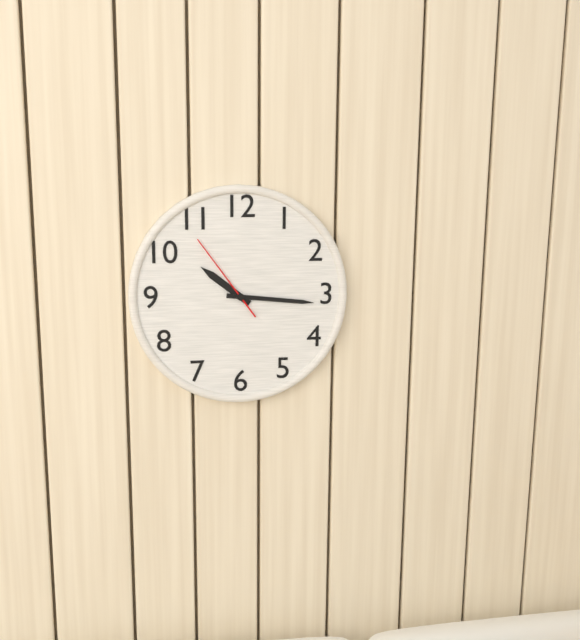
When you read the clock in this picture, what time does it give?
10:16:54
